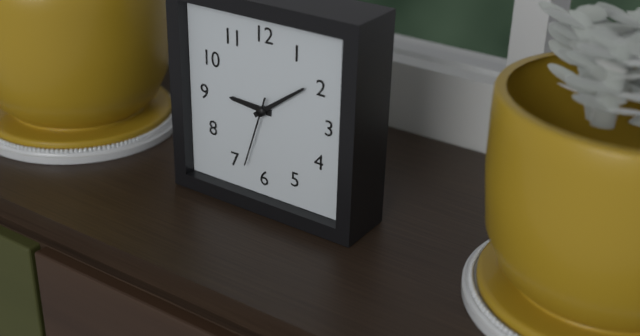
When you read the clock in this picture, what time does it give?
9:09:33
